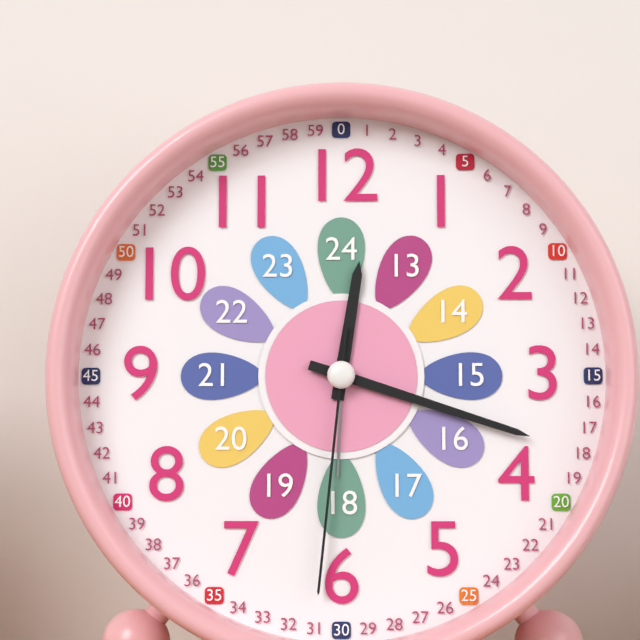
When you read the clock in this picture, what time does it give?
12:18:31
